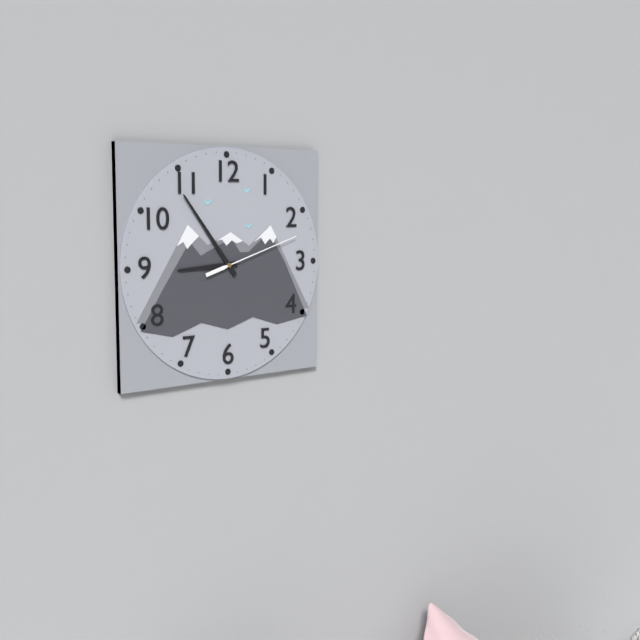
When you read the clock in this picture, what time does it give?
8:54:12
